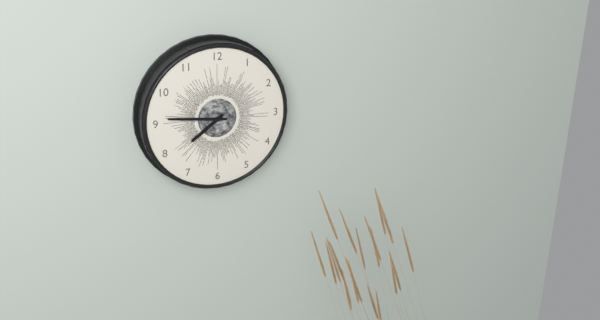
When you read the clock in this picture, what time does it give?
7:46
